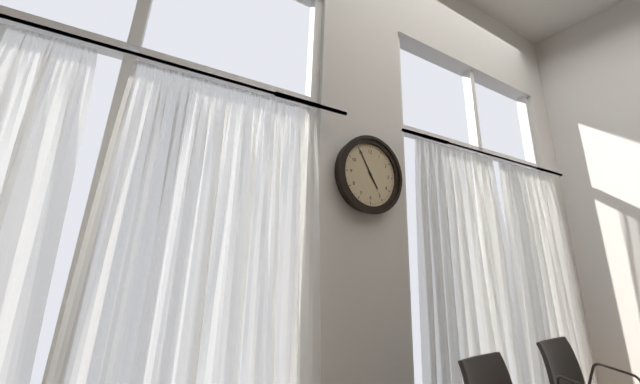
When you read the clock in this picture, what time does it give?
4:55
